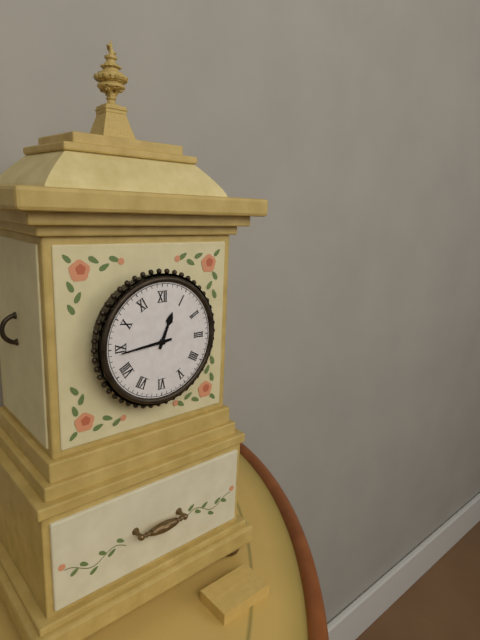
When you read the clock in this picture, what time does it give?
12:44
